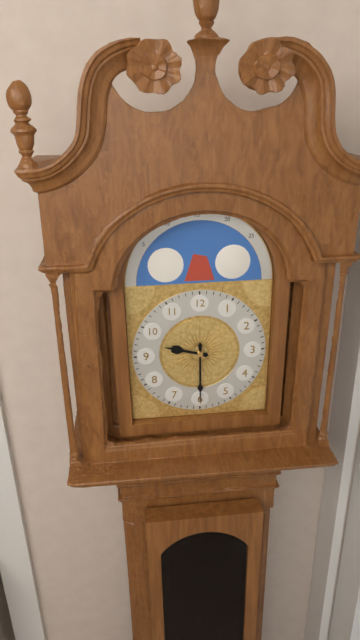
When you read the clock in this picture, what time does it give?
9:30
